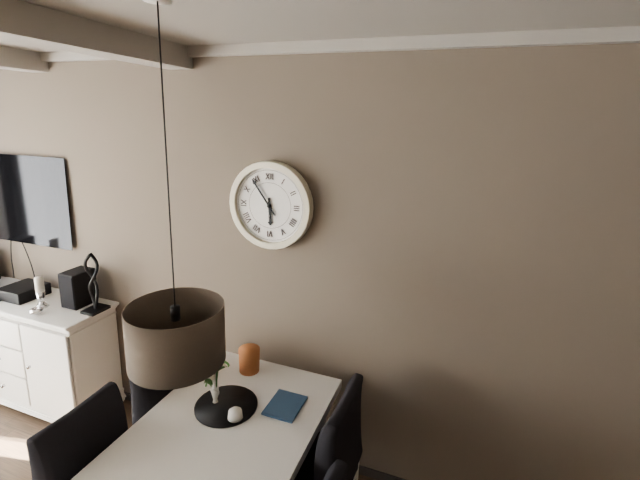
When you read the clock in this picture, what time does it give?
5:54
